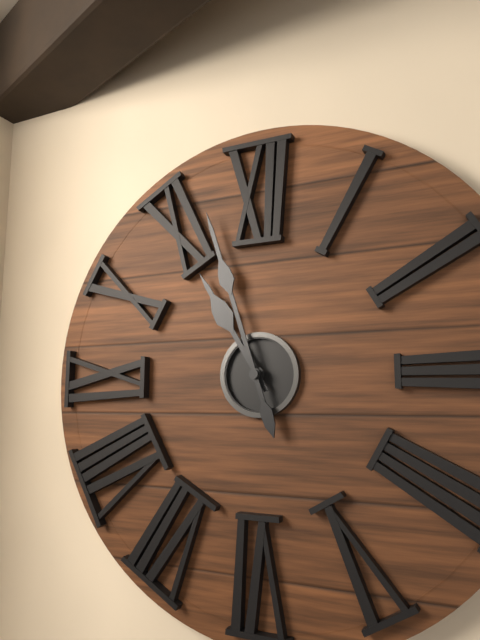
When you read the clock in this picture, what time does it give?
10:57
